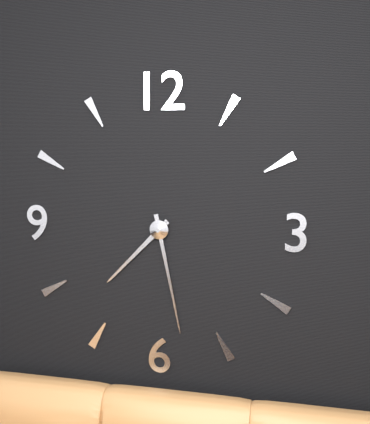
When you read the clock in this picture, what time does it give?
7:28
